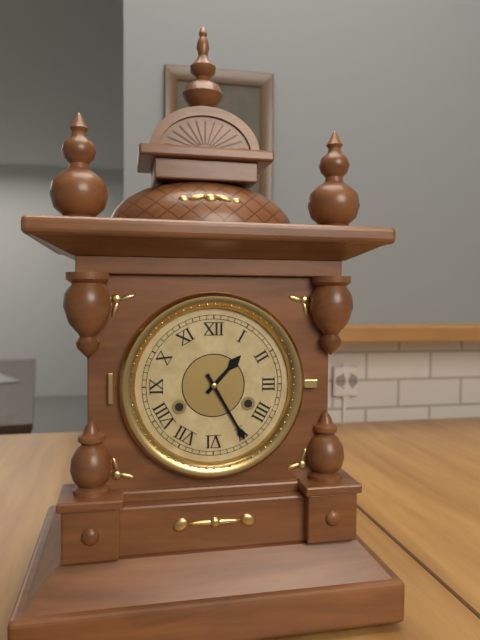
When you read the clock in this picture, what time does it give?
1:25
